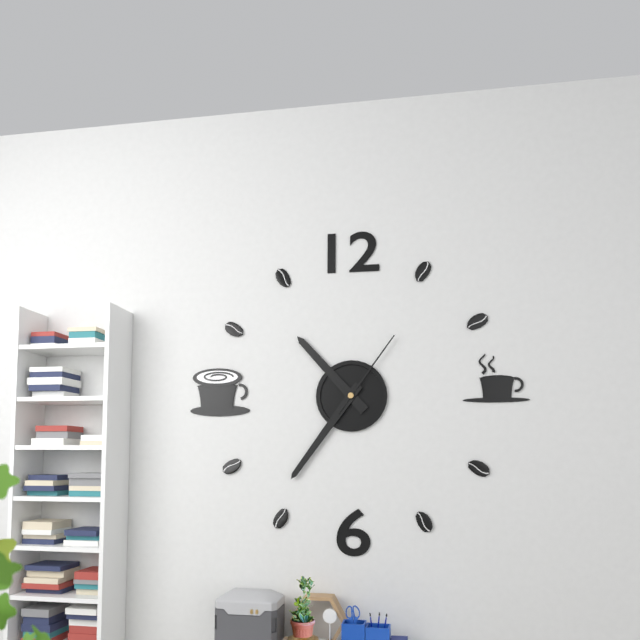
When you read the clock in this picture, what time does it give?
10:36:06
